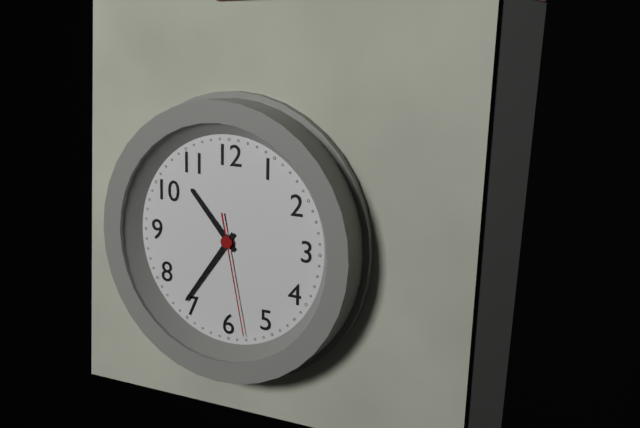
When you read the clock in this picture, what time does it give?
10:36:28
